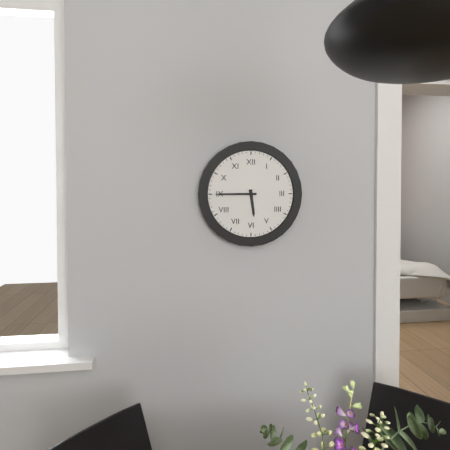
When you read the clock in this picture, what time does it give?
5:45
